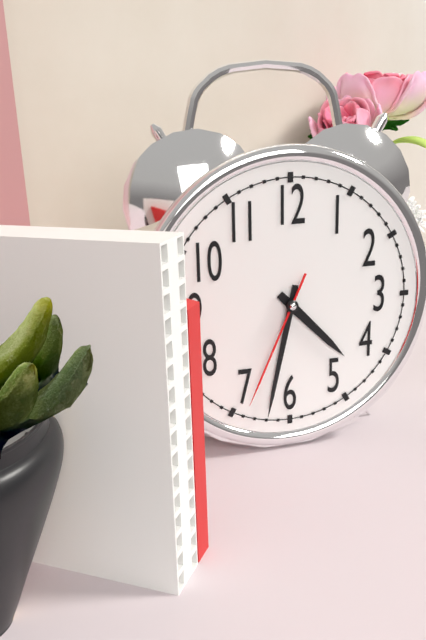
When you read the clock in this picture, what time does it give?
4:32:34
